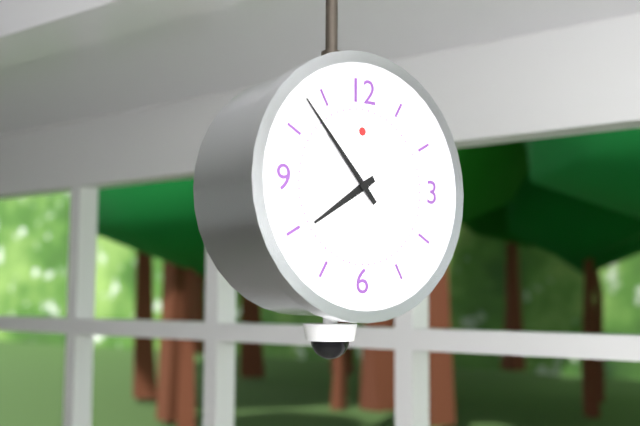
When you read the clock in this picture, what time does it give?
7:53
